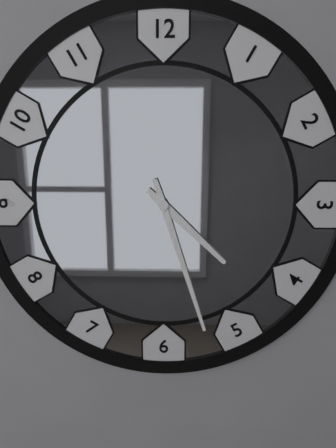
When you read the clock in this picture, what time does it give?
4:27
